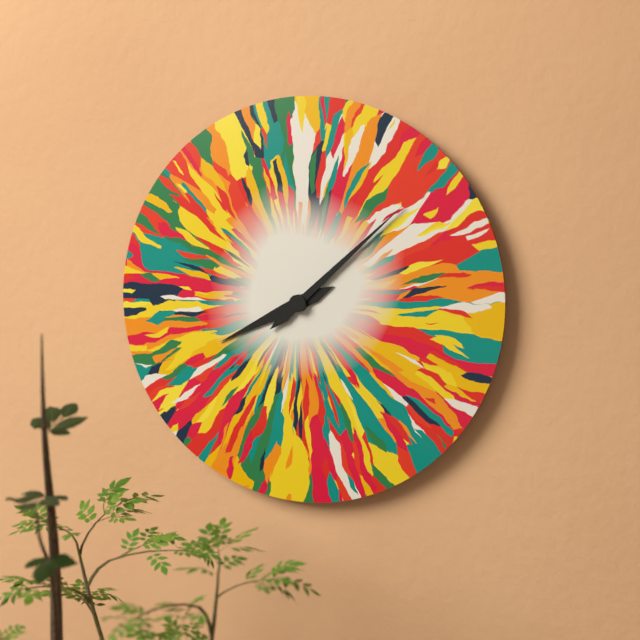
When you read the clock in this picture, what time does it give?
8:08
